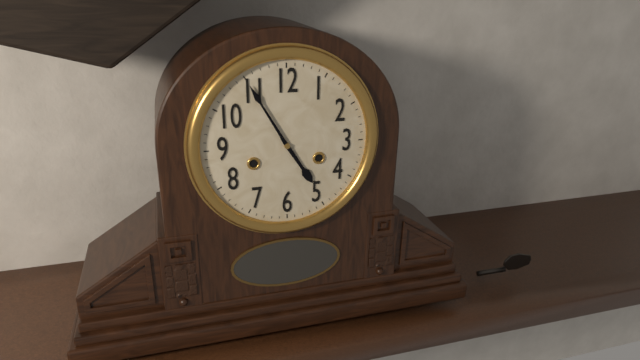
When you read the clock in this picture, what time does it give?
4:55
